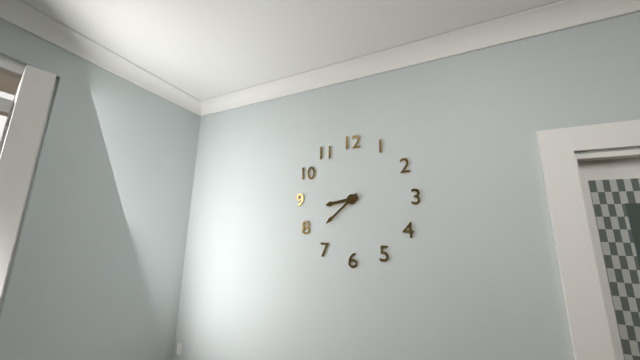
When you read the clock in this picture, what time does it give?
8:38
